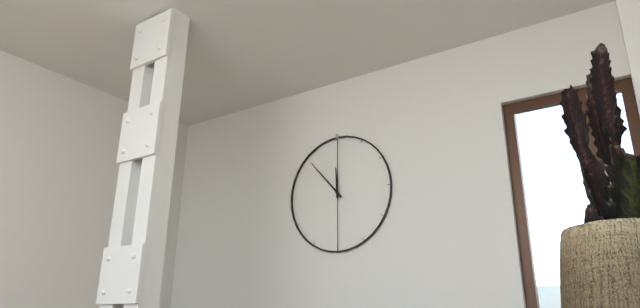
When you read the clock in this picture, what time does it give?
11:53
